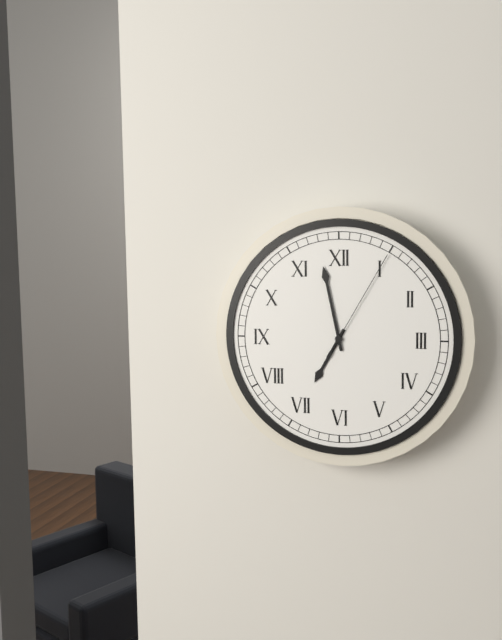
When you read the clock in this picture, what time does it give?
6:58:05
